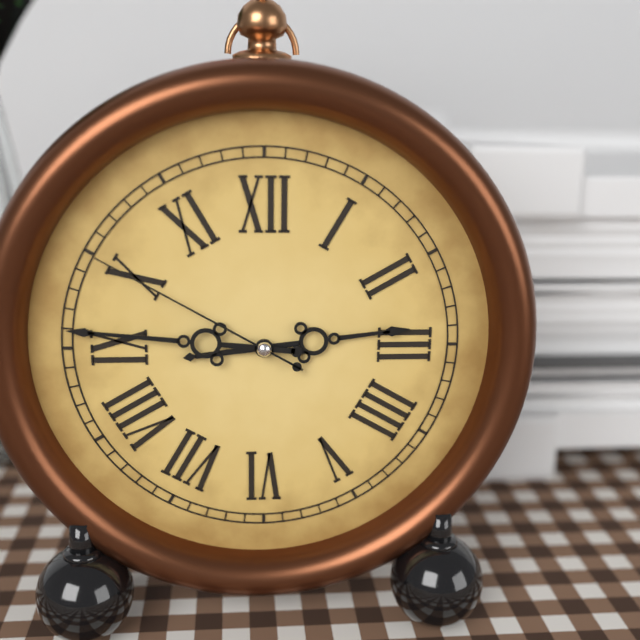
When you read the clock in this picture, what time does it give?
2:46:50
